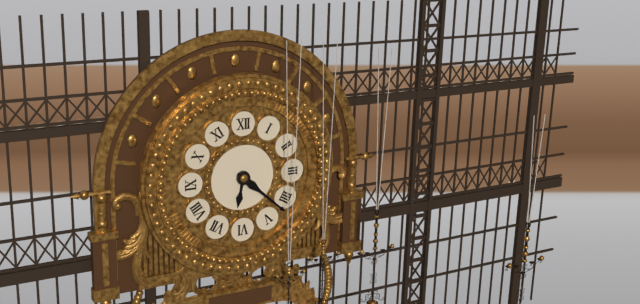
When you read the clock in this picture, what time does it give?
6:22
